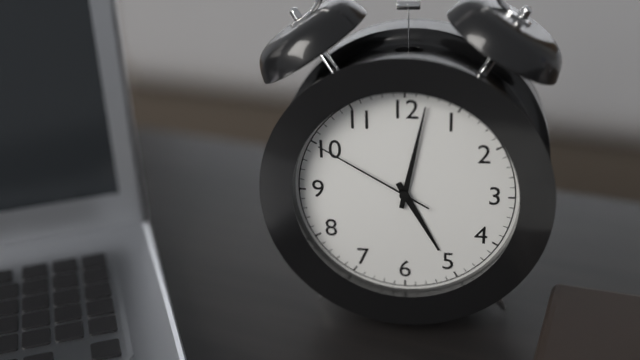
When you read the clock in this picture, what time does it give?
5:02:50
